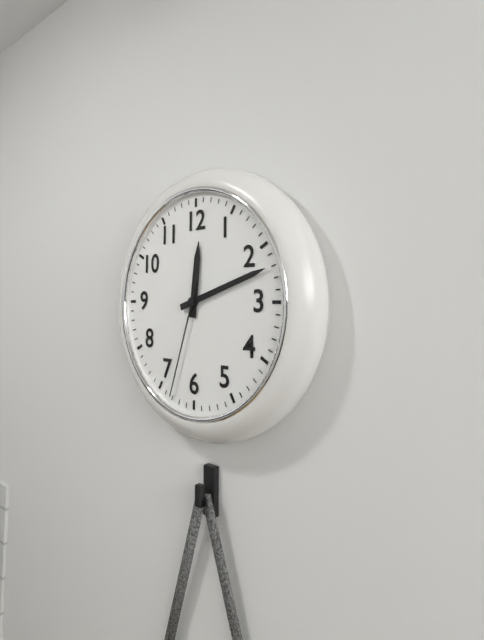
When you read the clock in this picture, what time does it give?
12:12:33
